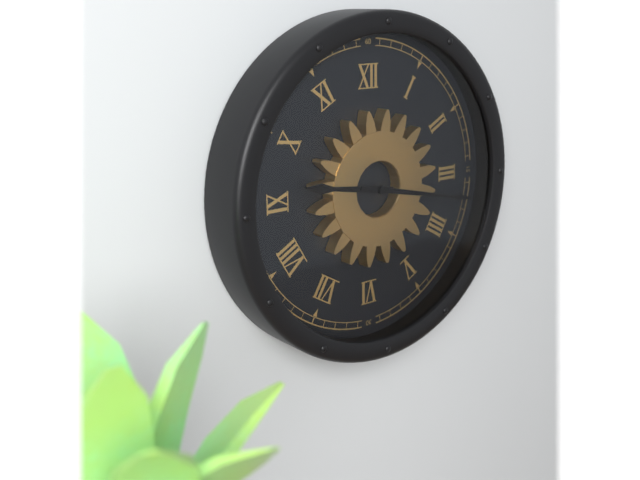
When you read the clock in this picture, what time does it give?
9:17
